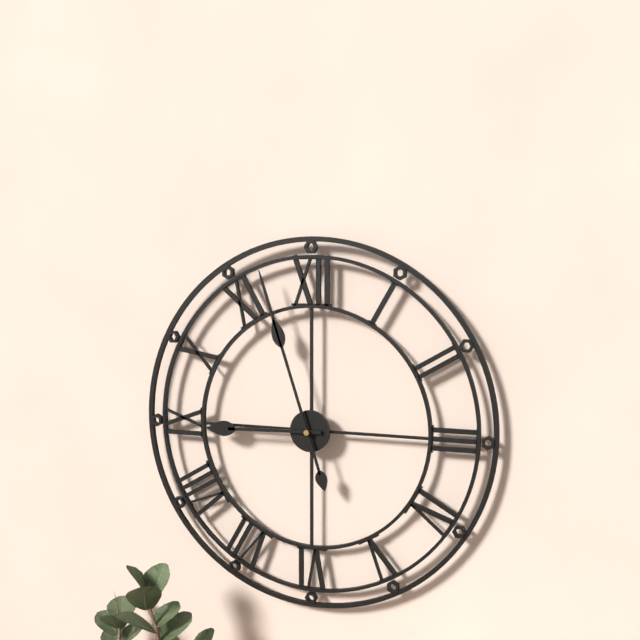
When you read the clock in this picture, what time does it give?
8:57
